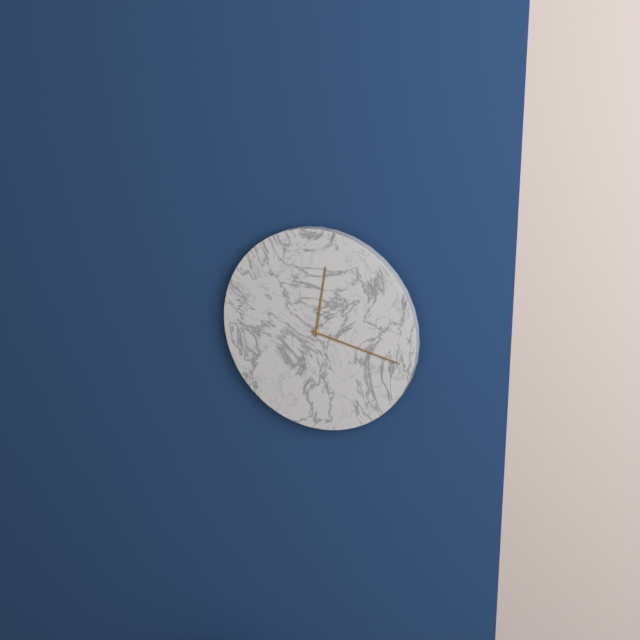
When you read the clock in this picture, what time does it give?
12:17
